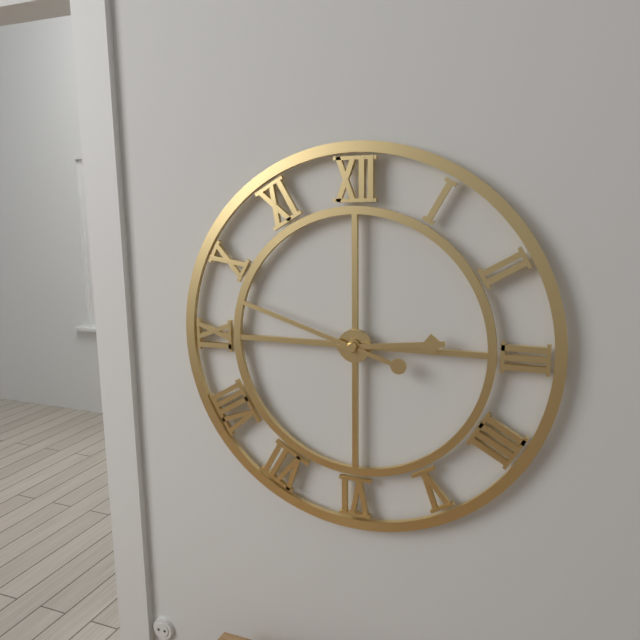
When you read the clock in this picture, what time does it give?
2:48
